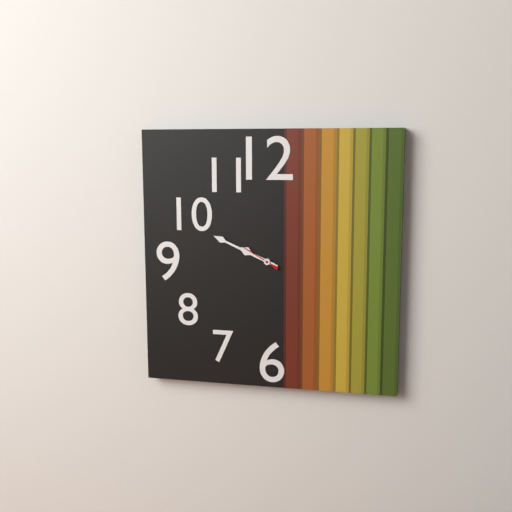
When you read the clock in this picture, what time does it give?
9:49
